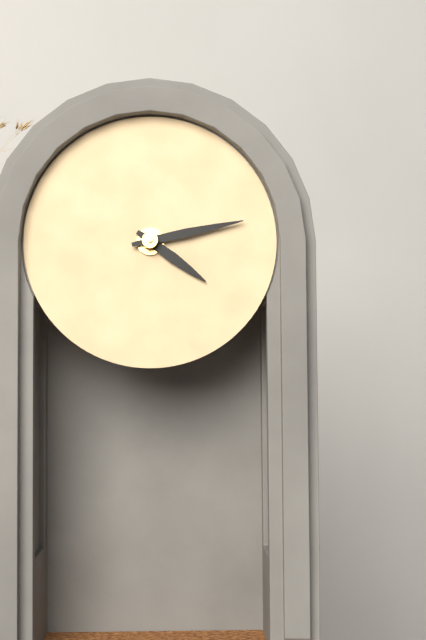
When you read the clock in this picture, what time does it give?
4:13
